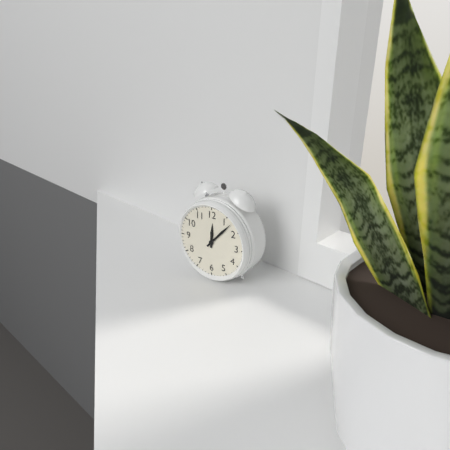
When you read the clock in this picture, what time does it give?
12:07
